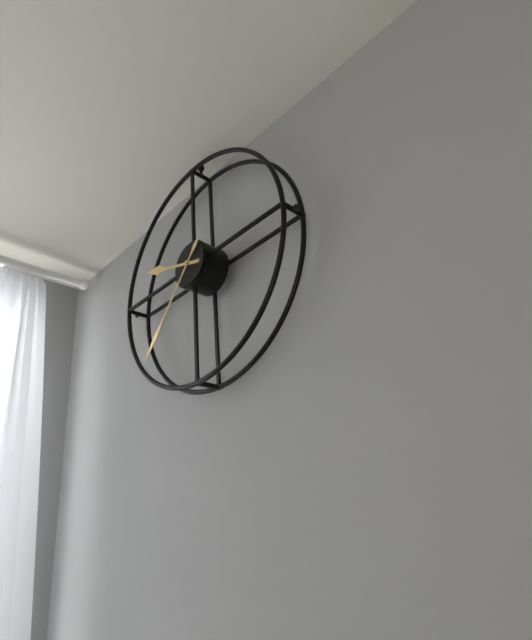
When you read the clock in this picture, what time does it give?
9:37
